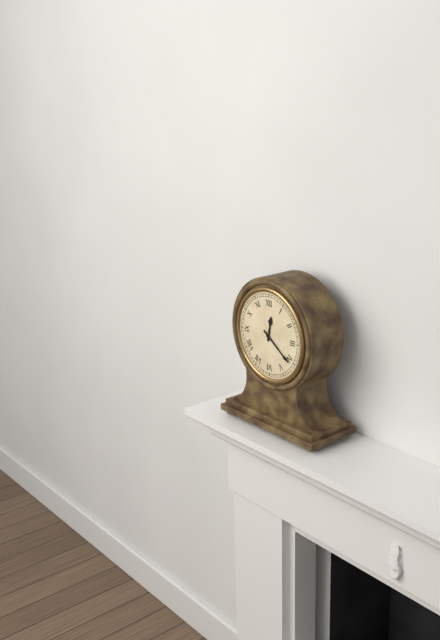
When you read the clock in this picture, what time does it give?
12:21
